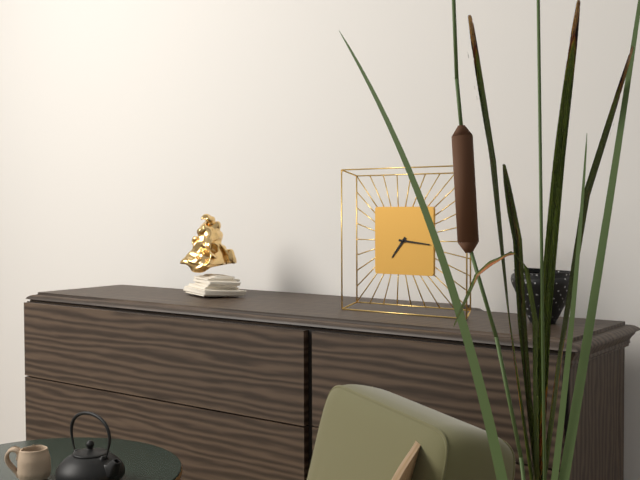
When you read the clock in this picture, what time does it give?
7:16
